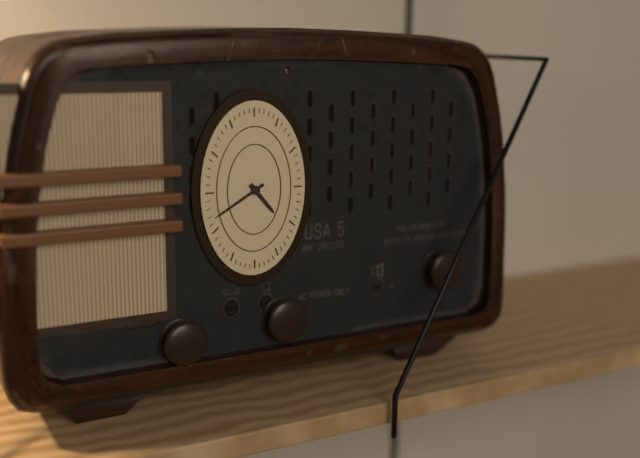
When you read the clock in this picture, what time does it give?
4:40
